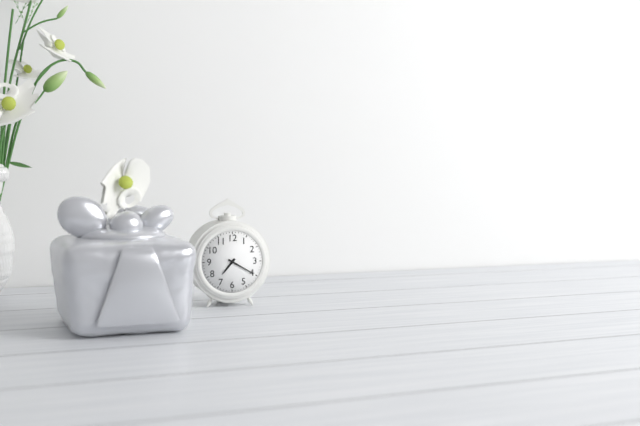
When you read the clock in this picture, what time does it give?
7:20
